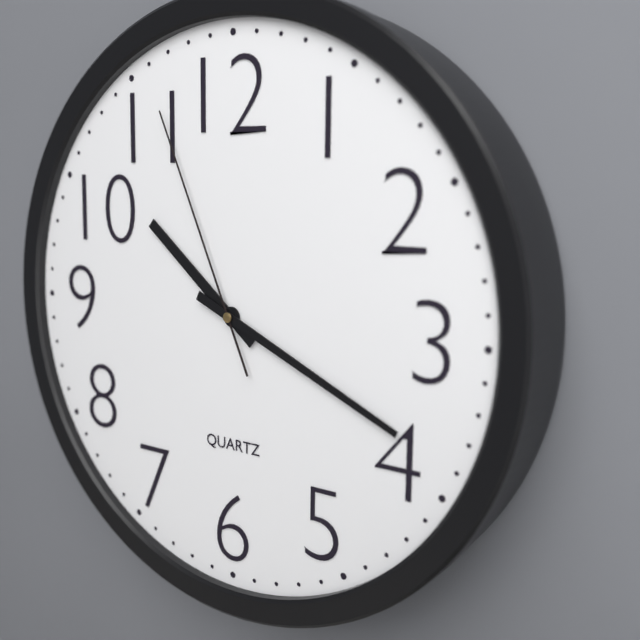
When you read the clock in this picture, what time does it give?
10:19:56
